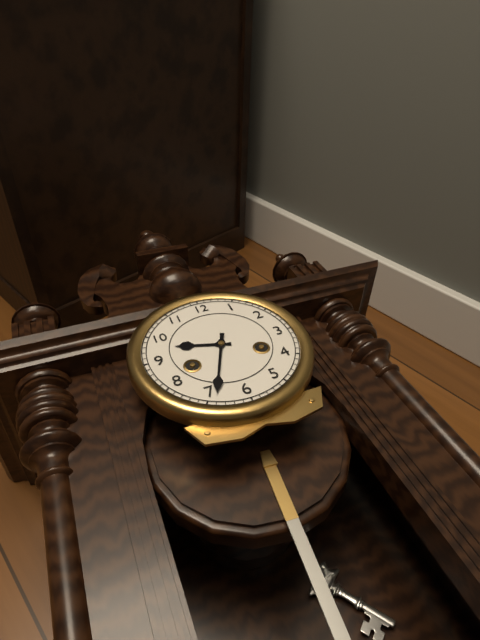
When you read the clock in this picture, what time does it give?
9:34
